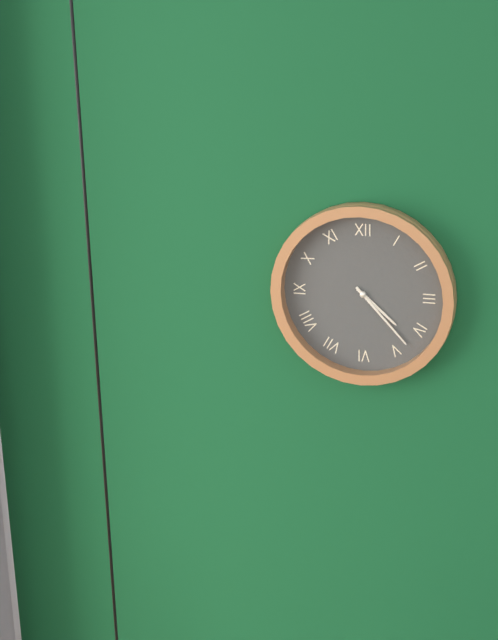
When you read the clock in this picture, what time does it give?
4:23
